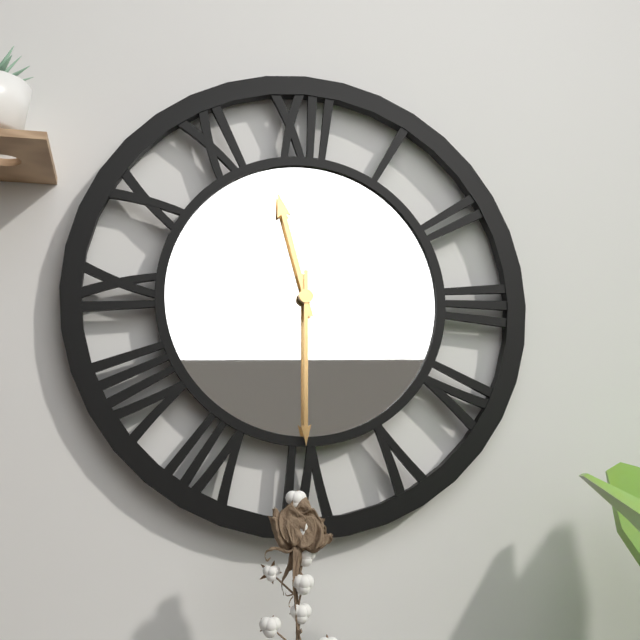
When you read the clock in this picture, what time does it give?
11:30
